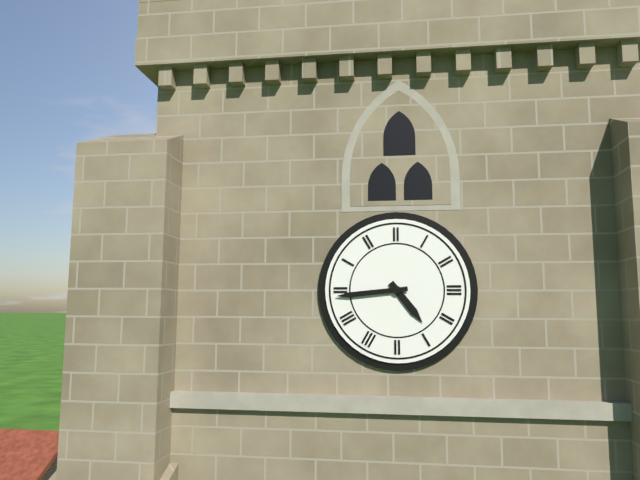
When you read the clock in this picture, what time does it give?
4:44
